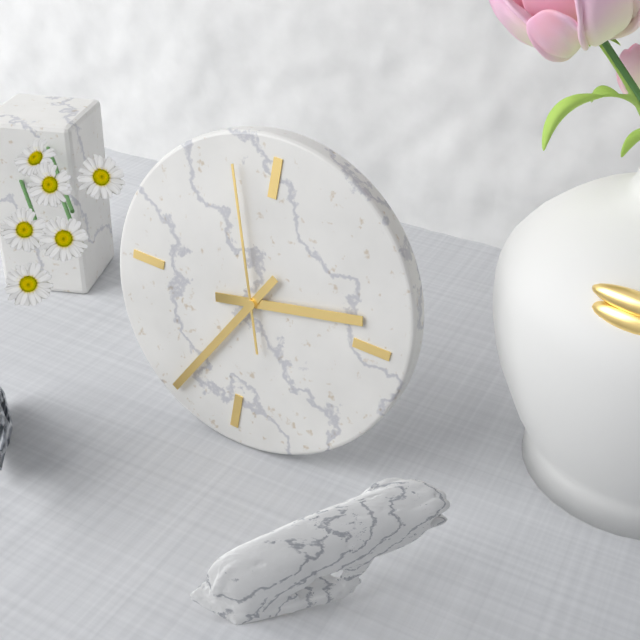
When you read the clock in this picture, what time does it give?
2:35:57
